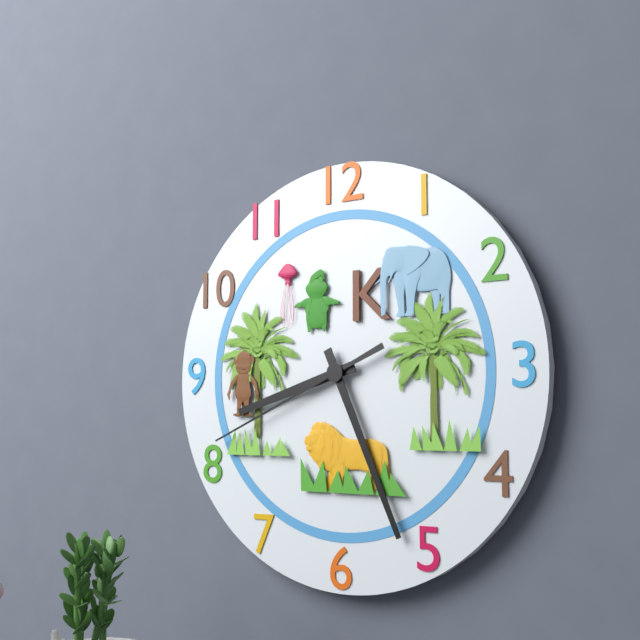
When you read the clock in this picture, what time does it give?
8:26:41
